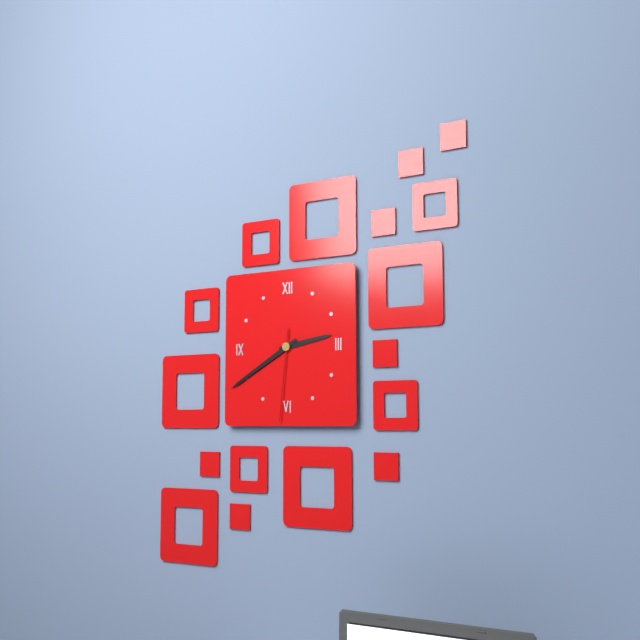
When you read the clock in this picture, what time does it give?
2:40:31
